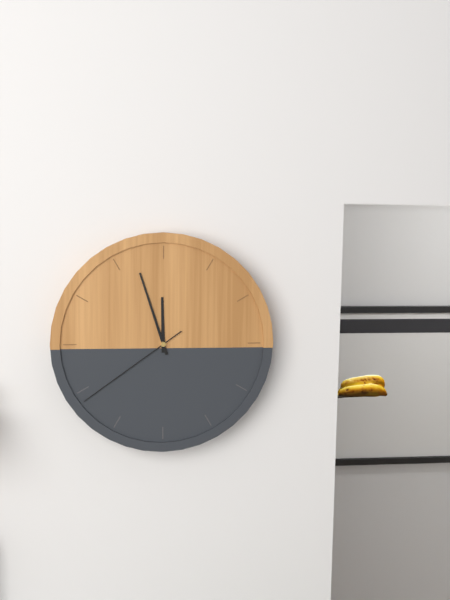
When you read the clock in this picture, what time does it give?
11:57:39
